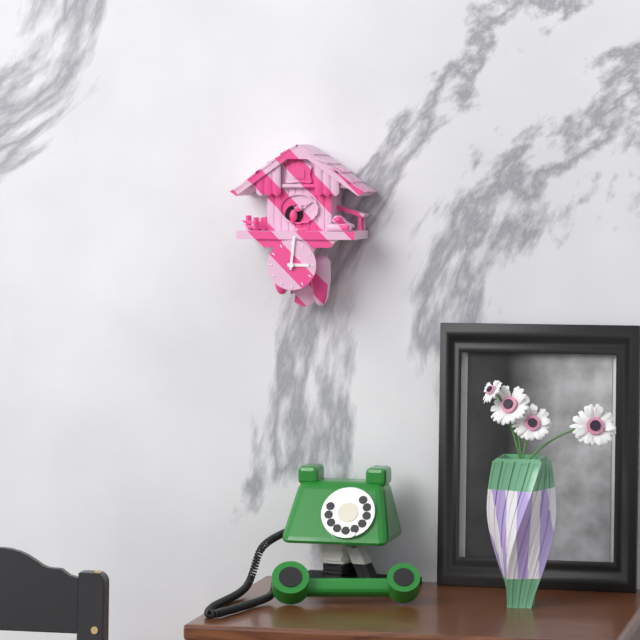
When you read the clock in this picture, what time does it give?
3:01
